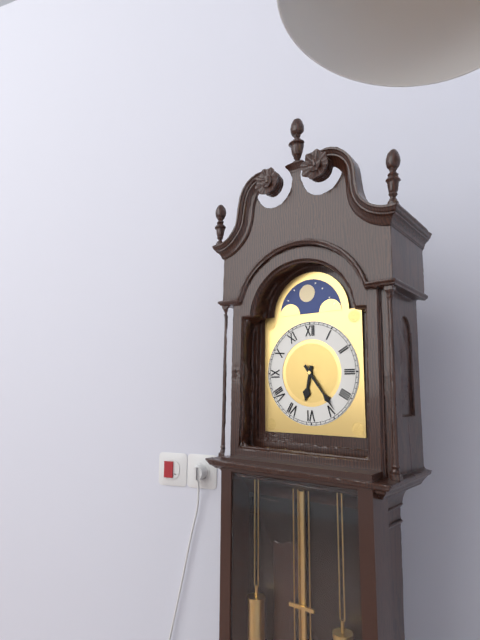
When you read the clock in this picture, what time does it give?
6:24
